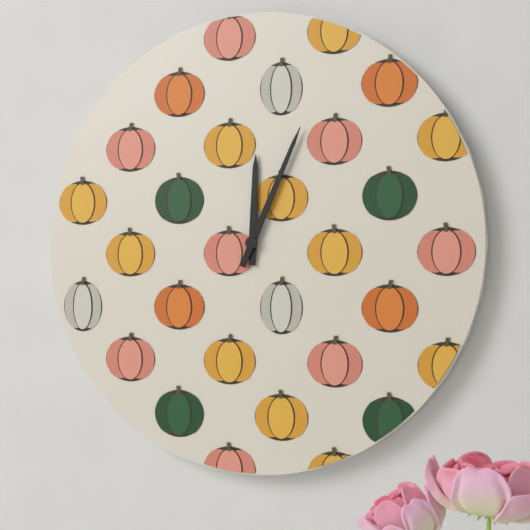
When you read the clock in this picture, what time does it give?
12:04
